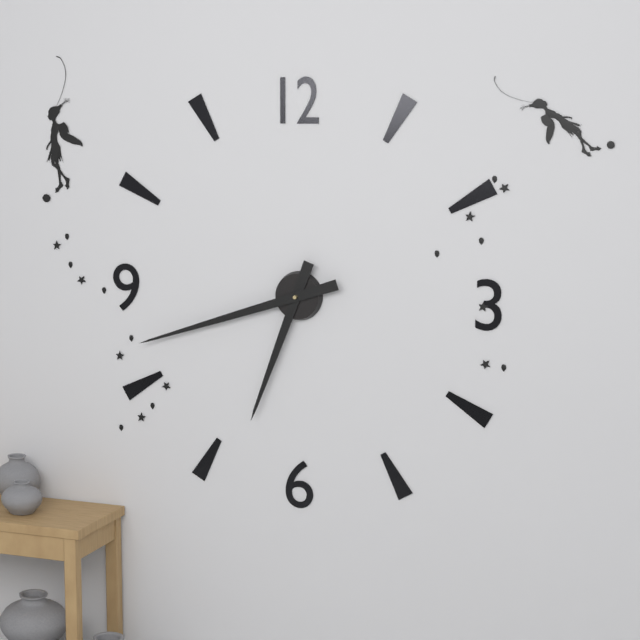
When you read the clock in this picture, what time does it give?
6:42
